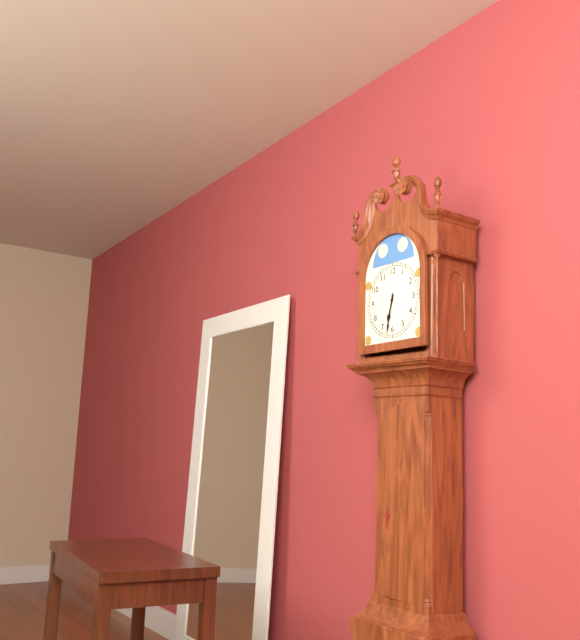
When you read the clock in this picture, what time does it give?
6:32
